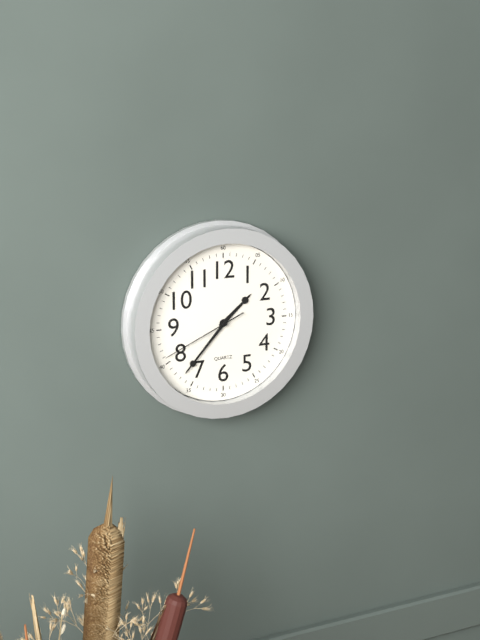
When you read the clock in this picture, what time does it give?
1:37:41
